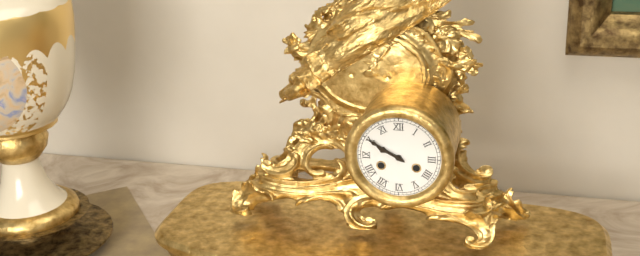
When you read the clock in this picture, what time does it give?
9:50
